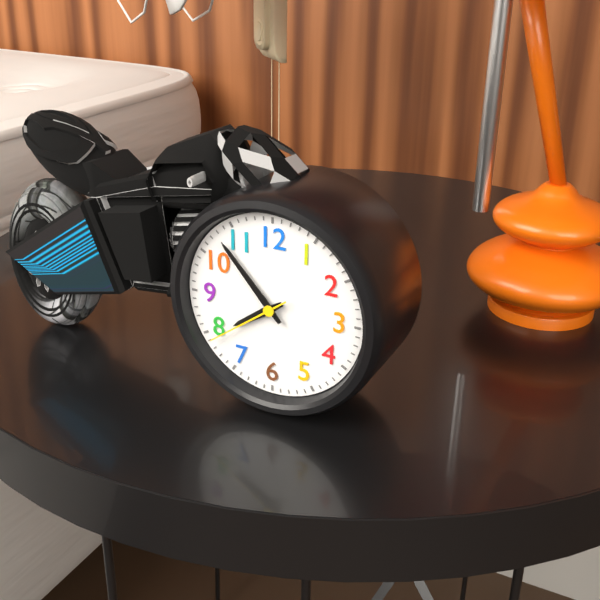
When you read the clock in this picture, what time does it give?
7:53:39
